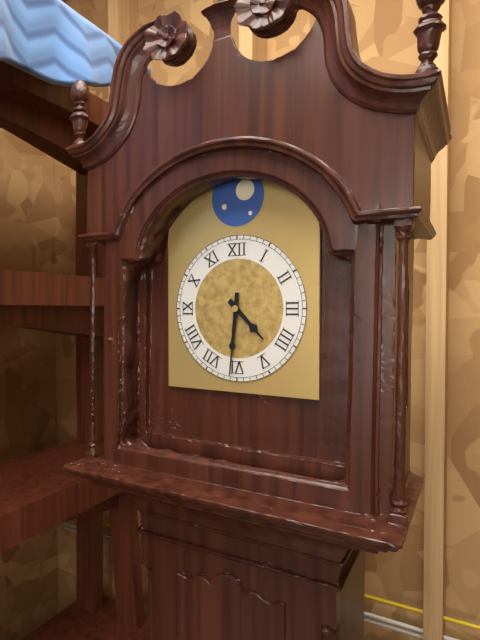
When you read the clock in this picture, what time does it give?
4:31
